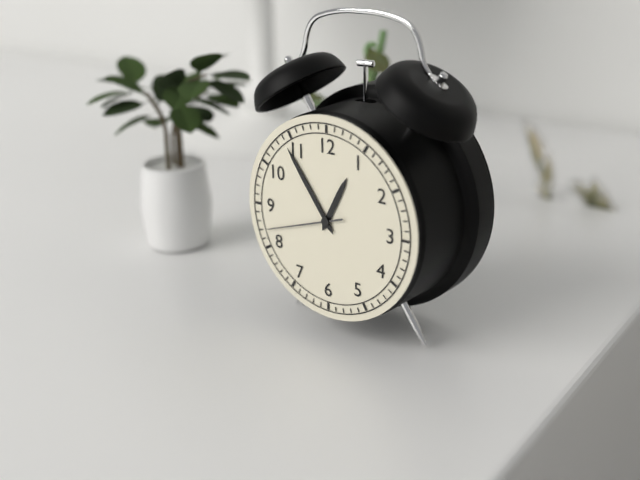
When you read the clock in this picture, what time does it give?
12:54:42
